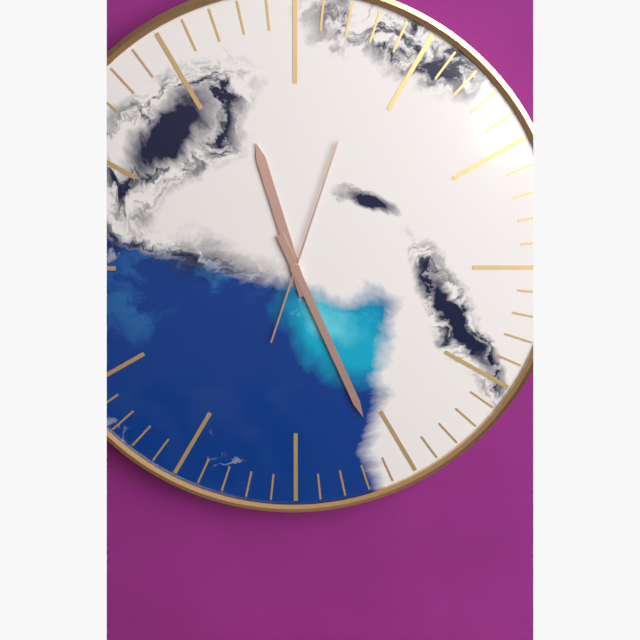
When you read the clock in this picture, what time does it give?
11:26:03
